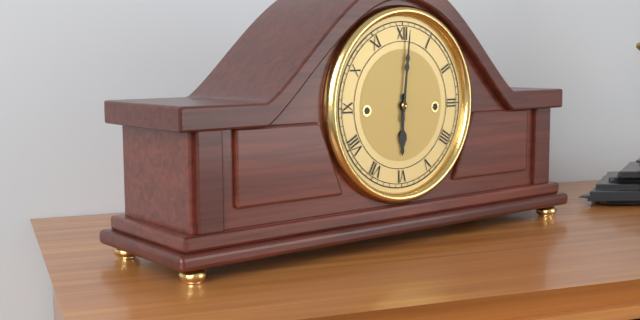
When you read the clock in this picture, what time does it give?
6:01
